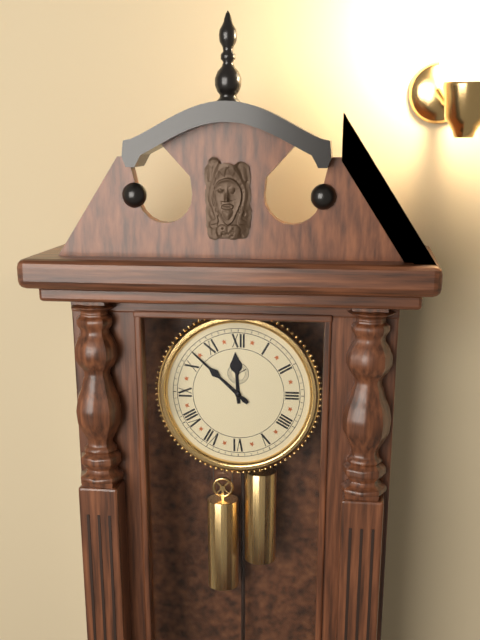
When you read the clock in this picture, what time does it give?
11:52
